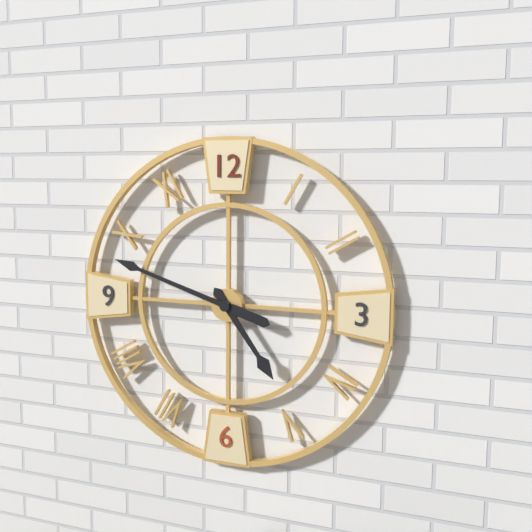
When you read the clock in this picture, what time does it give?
4:48
